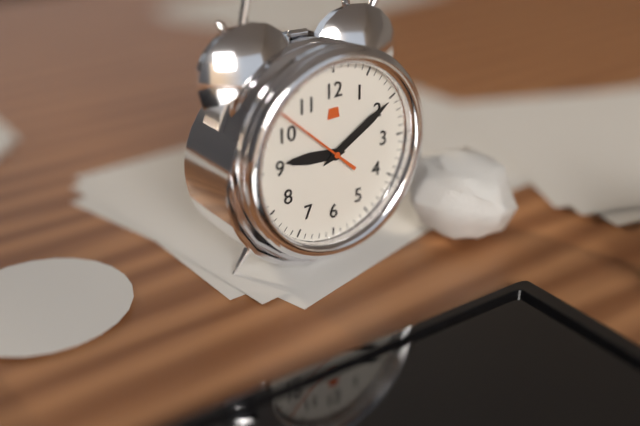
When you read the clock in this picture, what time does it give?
9:10:52
